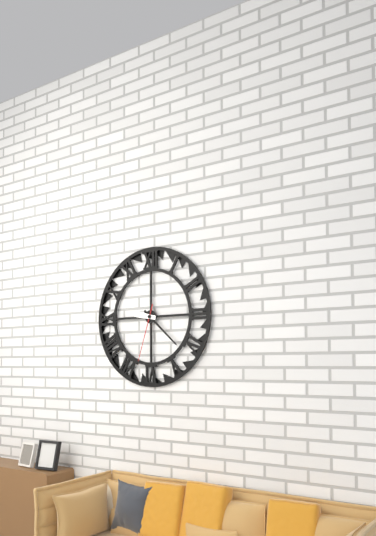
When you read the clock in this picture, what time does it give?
9:22:33
